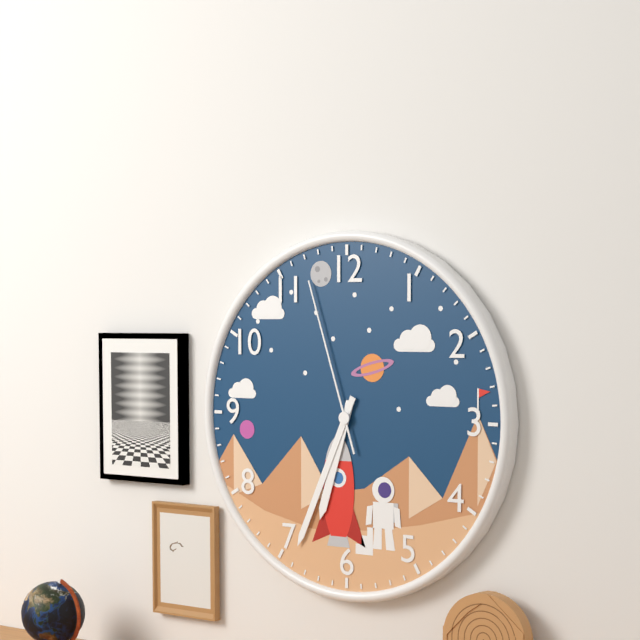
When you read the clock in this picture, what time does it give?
6:34:57
